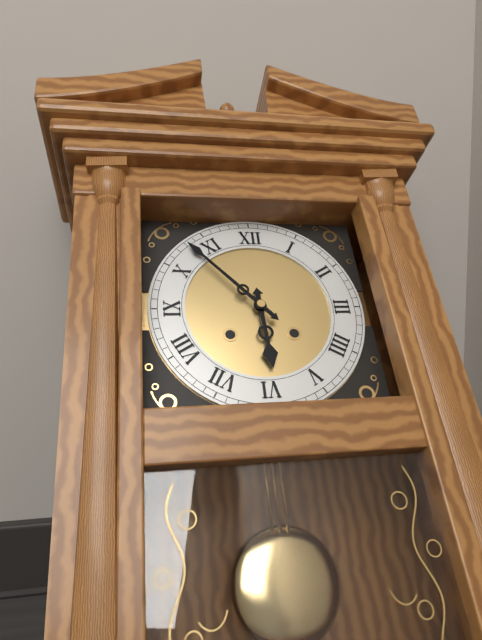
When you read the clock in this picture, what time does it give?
5:53
